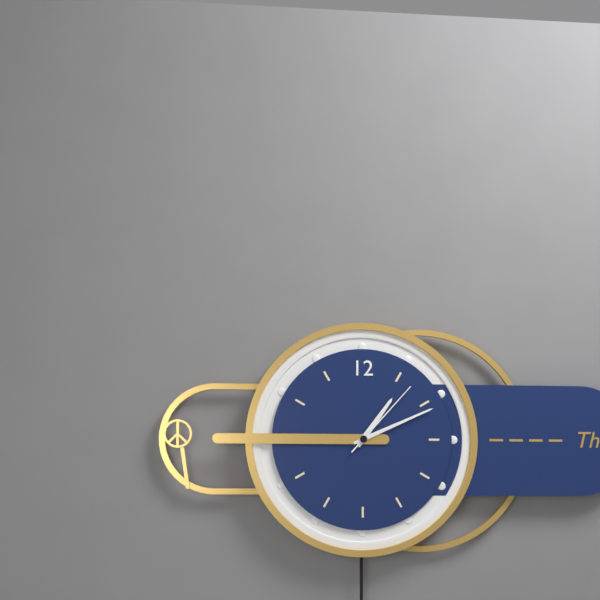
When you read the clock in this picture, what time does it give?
1:11:07
